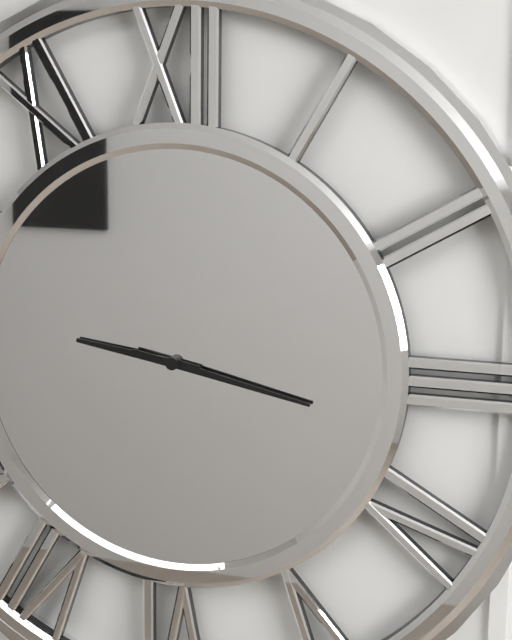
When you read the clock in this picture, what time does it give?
9:17
